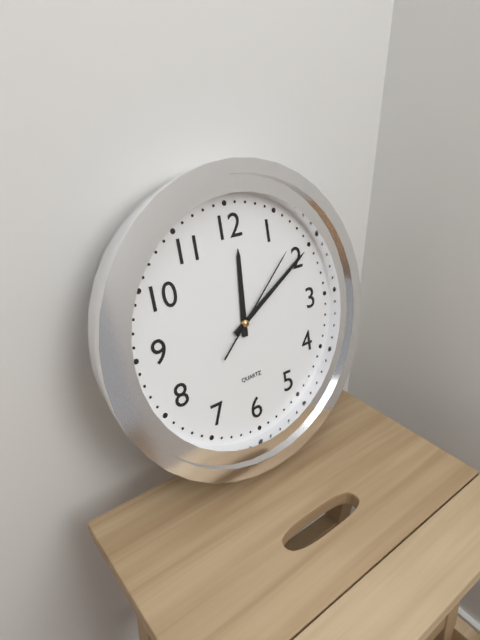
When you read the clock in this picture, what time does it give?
12:10:08
